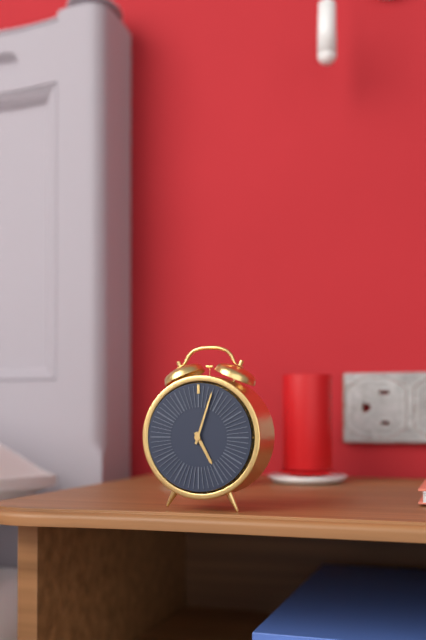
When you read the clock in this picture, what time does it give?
5:03
